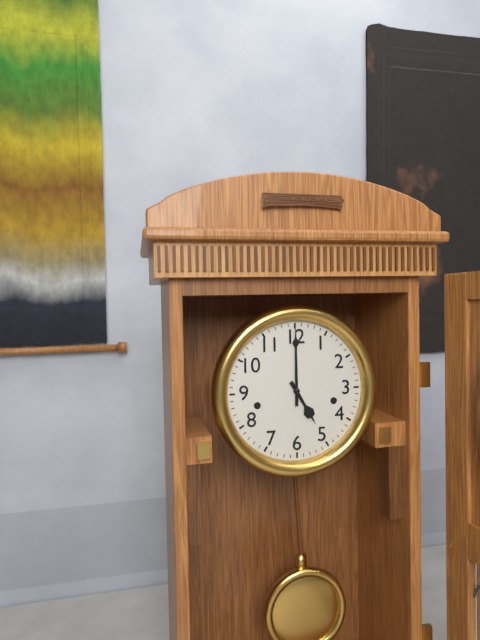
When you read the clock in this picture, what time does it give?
5:00
